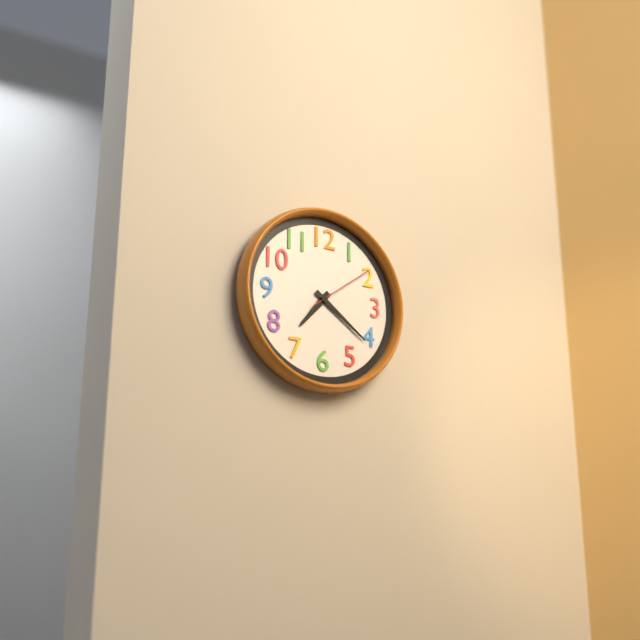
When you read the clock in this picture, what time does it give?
7:21:09
